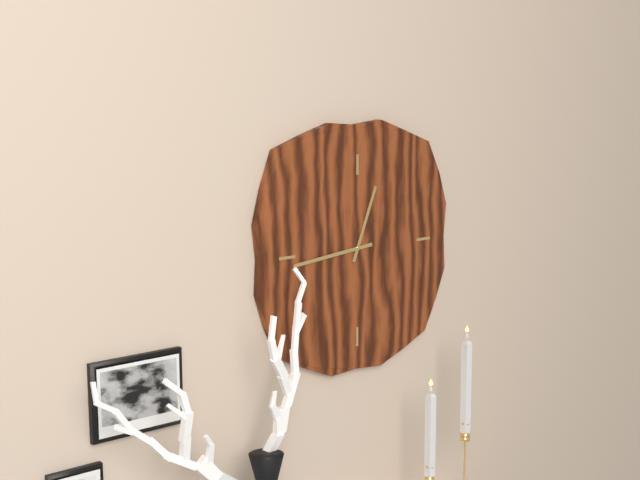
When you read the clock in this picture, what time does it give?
12:44
